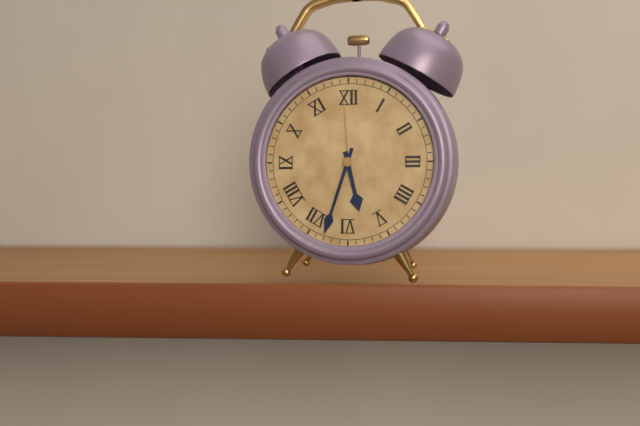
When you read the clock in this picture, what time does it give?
5:33
